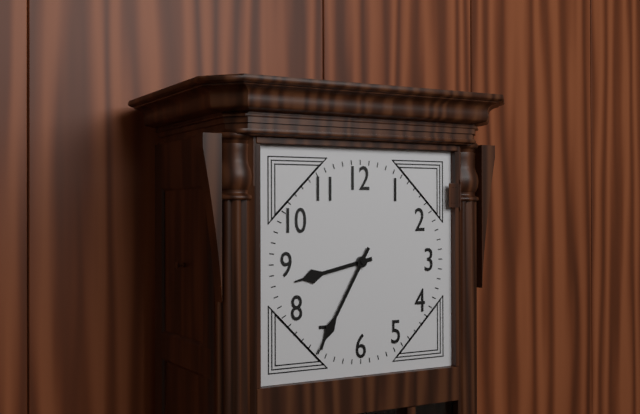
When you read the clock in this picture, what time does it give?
8:35
